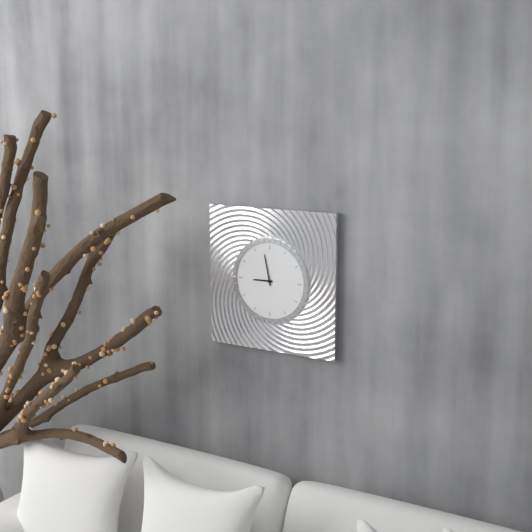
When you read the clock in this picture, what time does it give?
8:58
